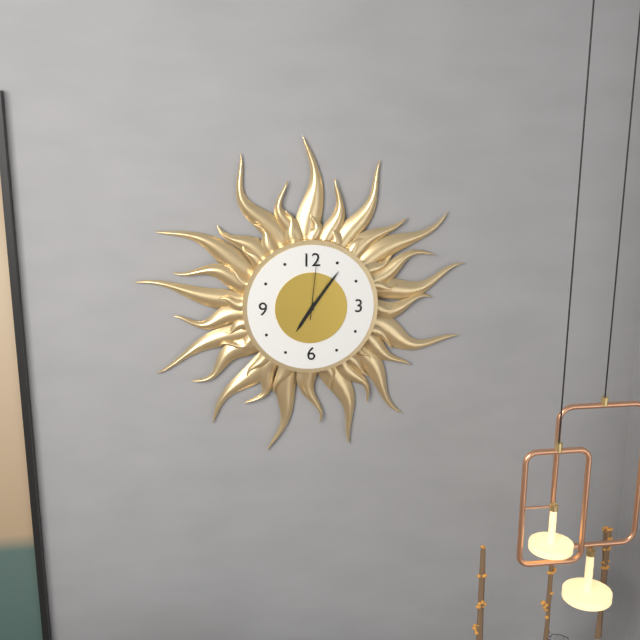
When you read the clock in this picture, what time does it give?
7:06:01
